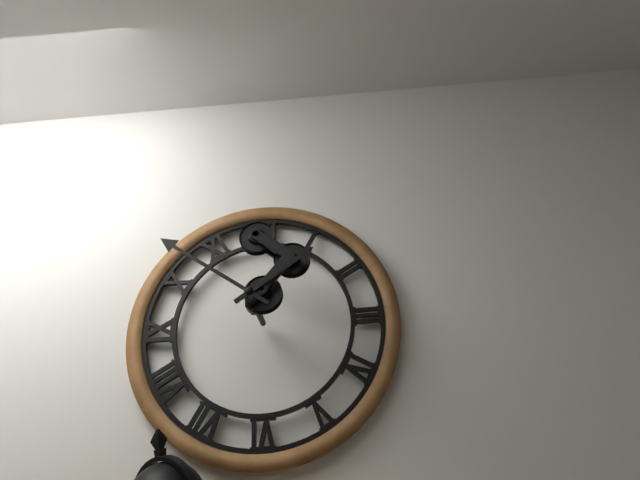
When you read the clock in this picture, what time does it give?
1:51
